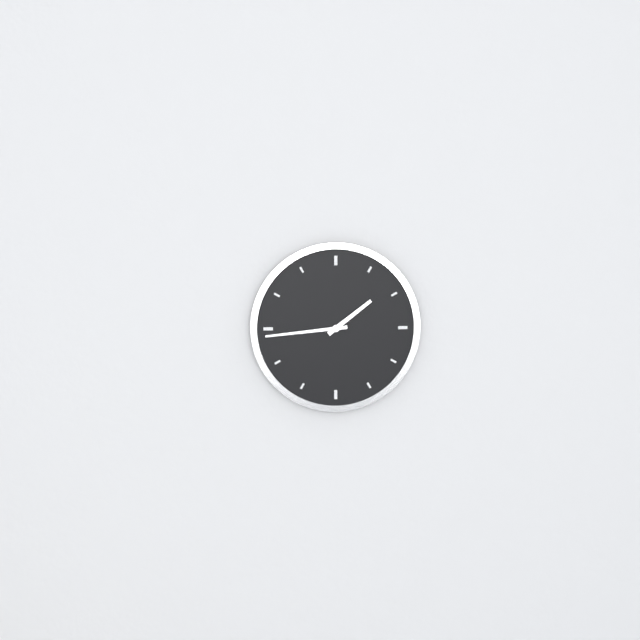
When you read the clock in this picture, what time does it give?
1:44
